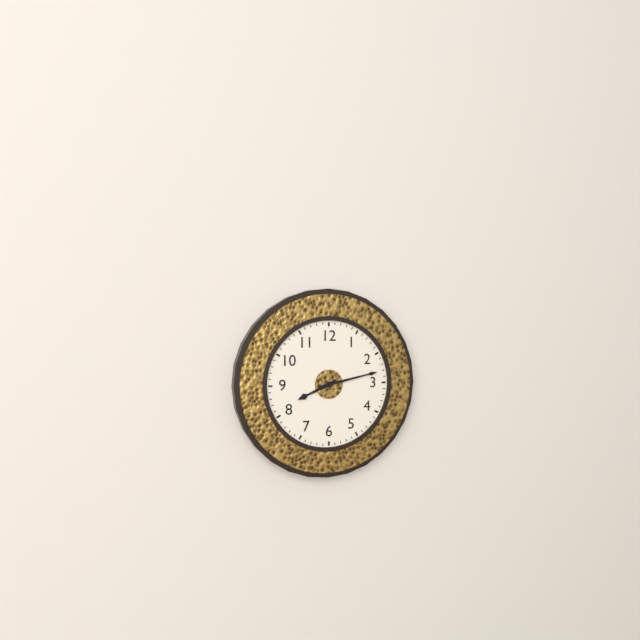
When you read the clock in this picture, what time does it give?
8:13
